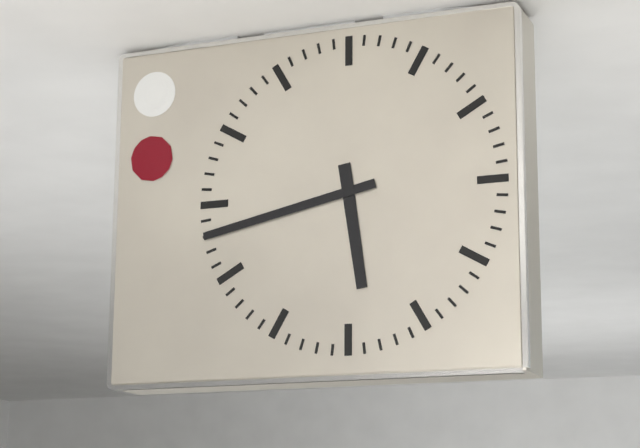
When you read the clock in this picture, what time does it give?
5:43
